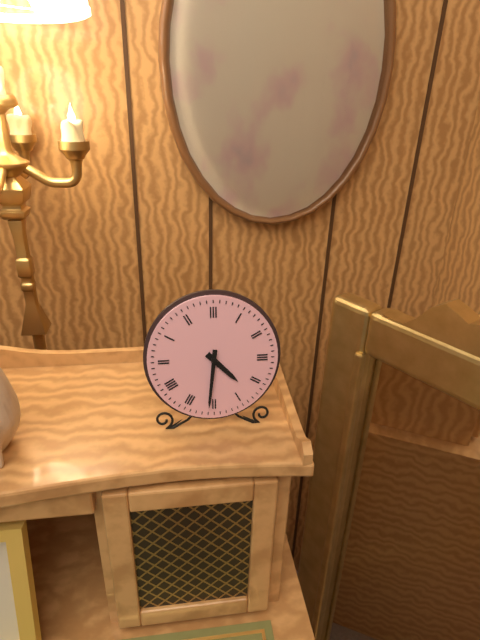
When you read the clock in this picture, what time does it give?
4:31
